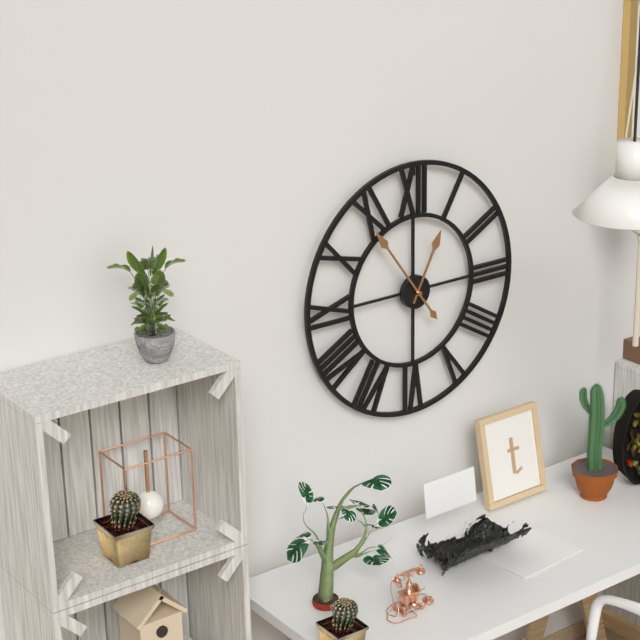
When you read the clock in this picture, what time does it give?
12:54
